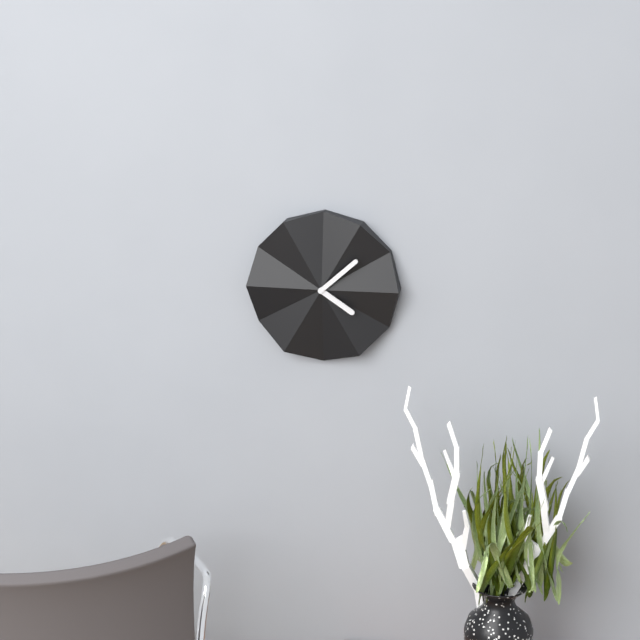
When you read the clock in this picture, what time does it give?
4:08
